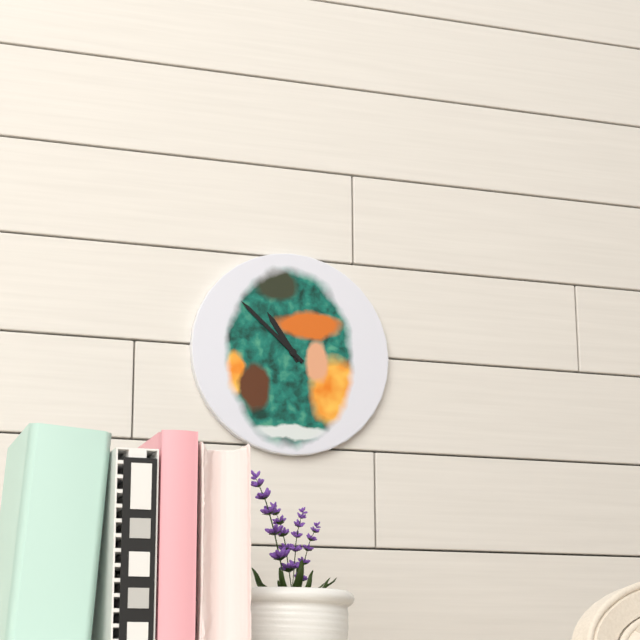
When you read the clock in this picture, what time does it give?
10:52
